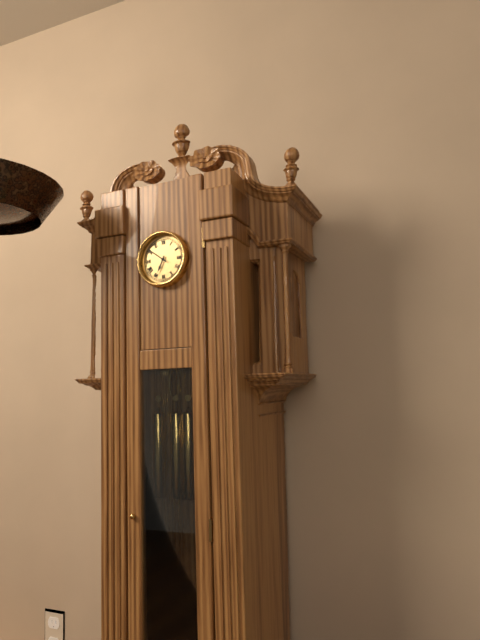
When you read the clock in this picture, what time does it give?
6:51
